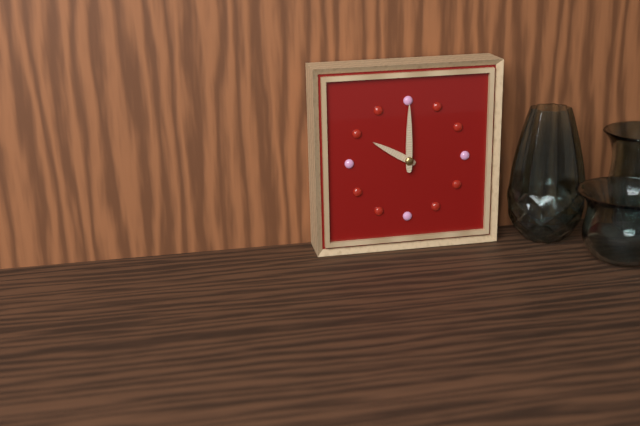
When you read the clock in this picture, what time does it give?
10:00
